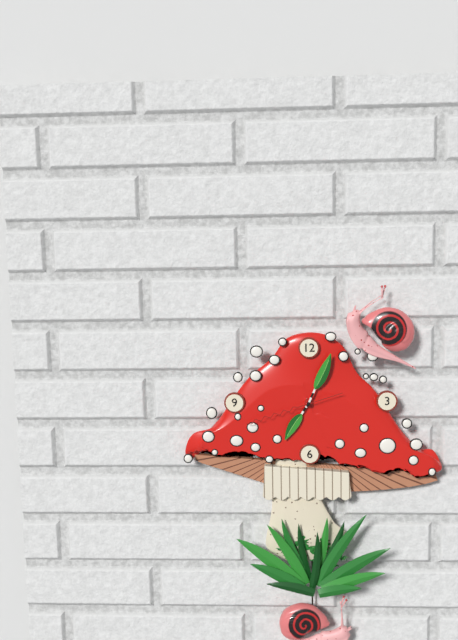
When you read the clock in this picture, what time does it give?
7:04:42
